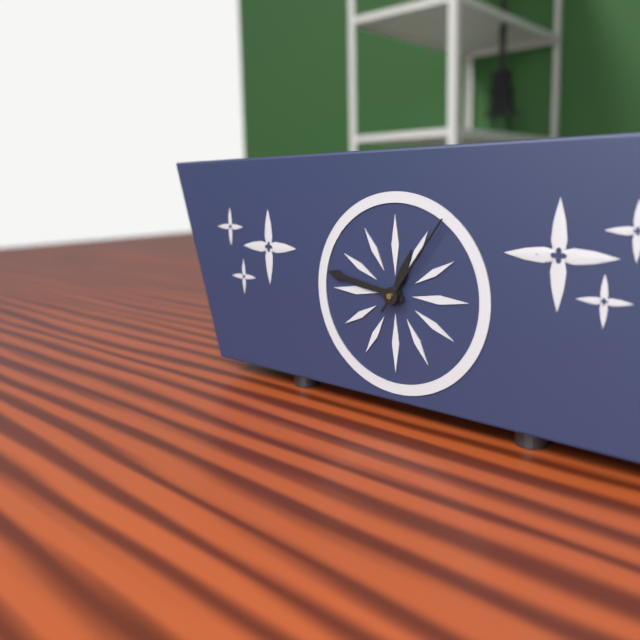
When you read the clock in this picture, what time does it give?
12:47:06
